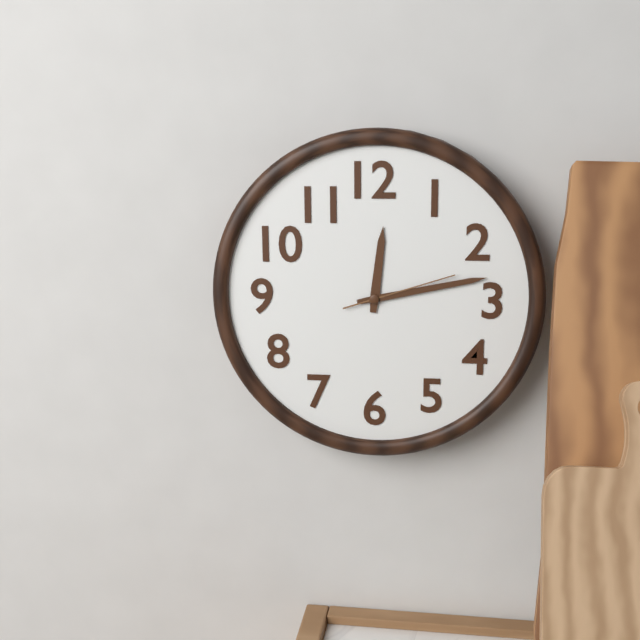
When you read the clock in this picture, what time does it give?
12:13:12
